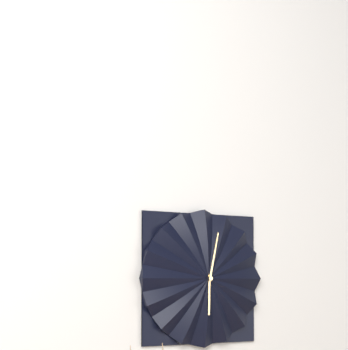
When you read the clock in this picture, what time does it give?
6:02
